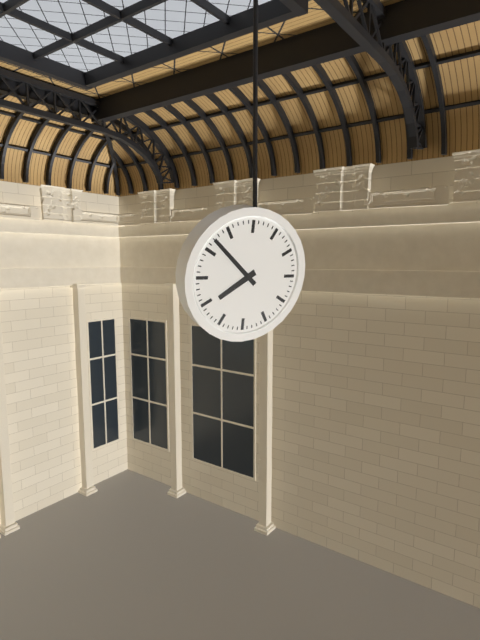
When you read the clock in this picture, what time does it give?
7:52
